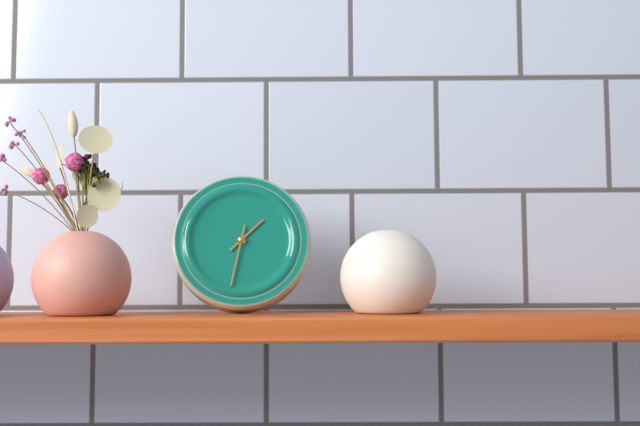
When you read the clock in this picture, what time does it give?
1:32
